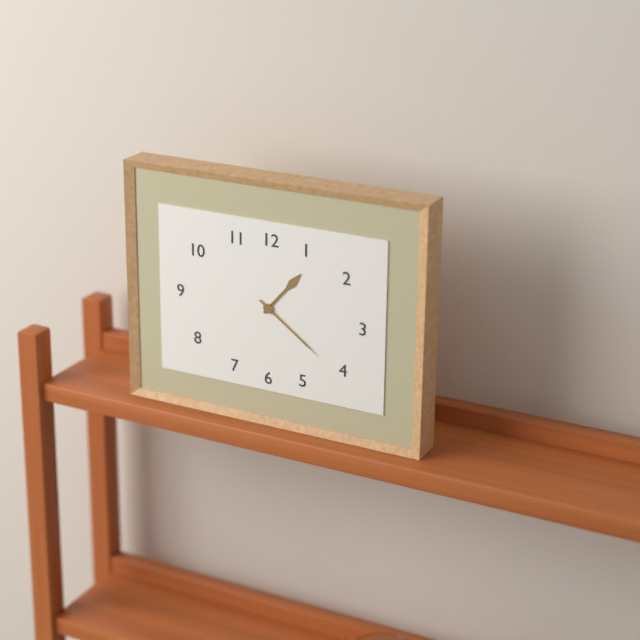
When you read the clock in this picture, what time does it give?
1:21
